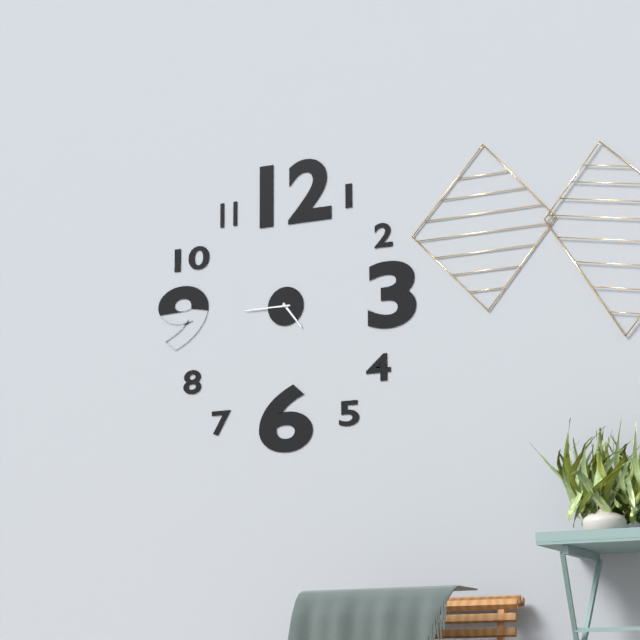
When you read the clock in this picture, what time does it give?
4:45
